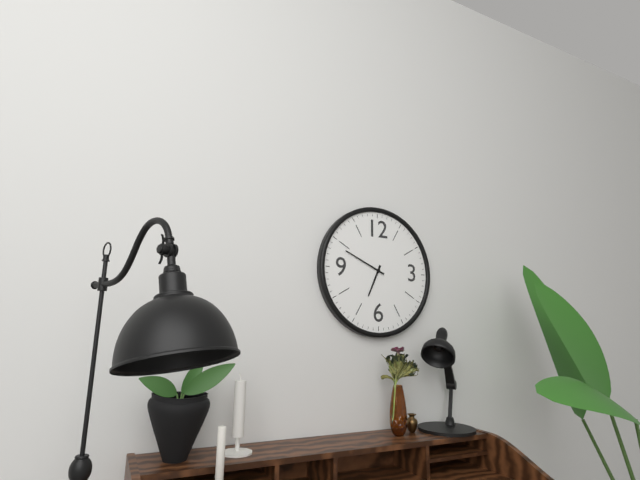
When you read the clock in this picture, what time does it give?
6:49
